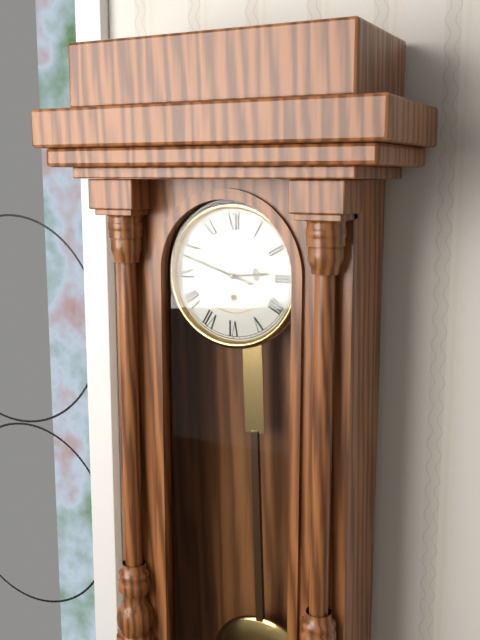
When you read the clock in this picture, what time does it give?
2:48
